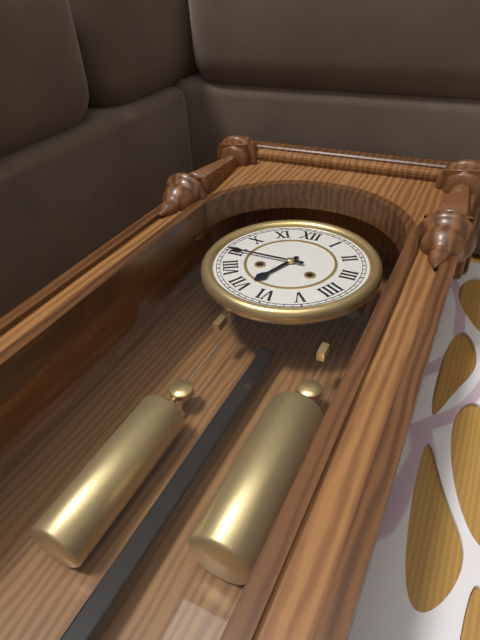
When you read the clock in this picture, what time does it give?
6:45
